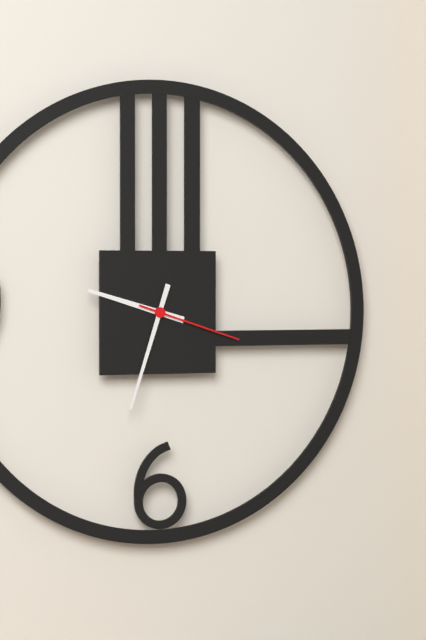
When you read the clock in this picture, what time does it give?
9:33:18
